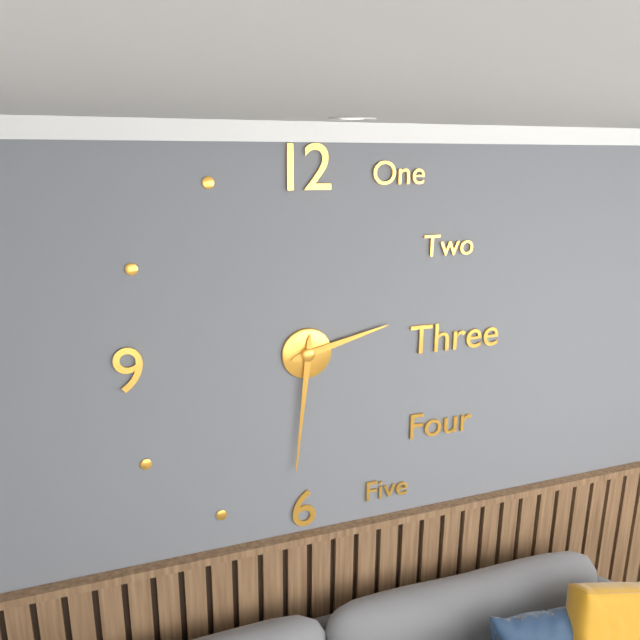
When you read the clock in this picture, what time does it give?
2:31
